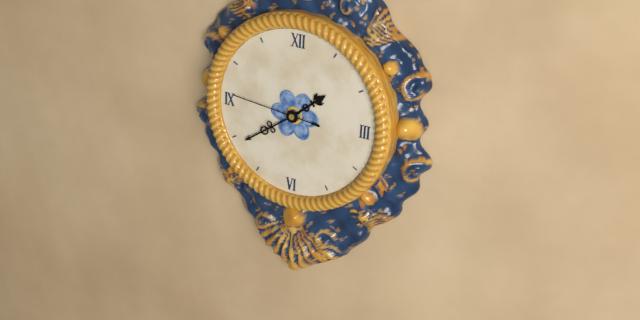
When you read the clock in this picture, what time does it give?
1:39:46
